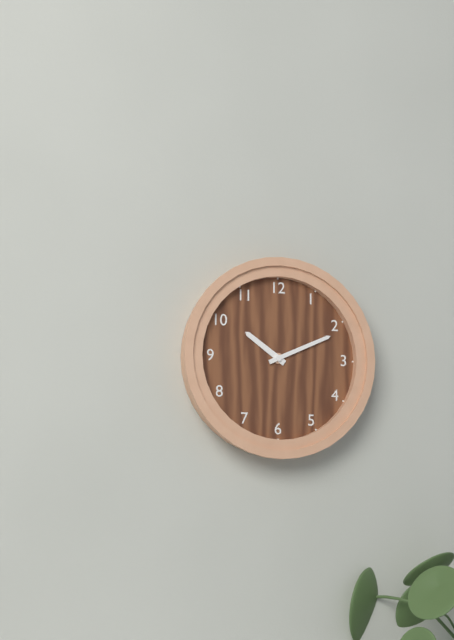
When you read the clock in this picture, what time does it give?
10:11
